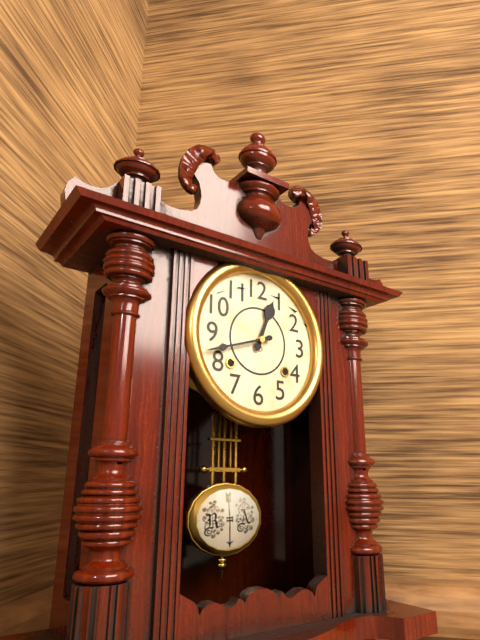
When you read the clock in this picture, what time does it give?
12:42
